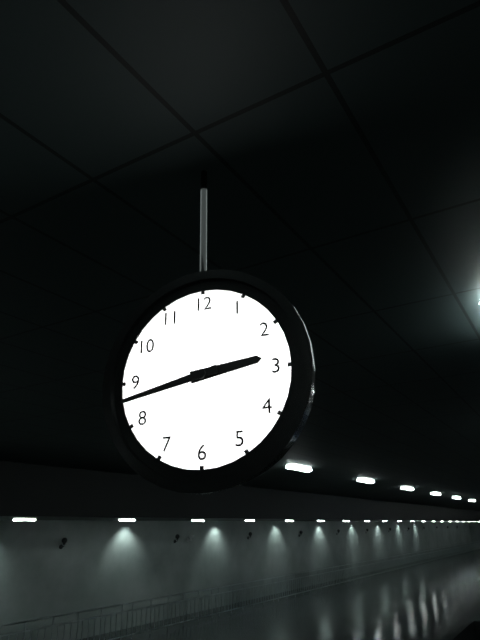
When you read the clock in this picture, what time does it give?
2:43
